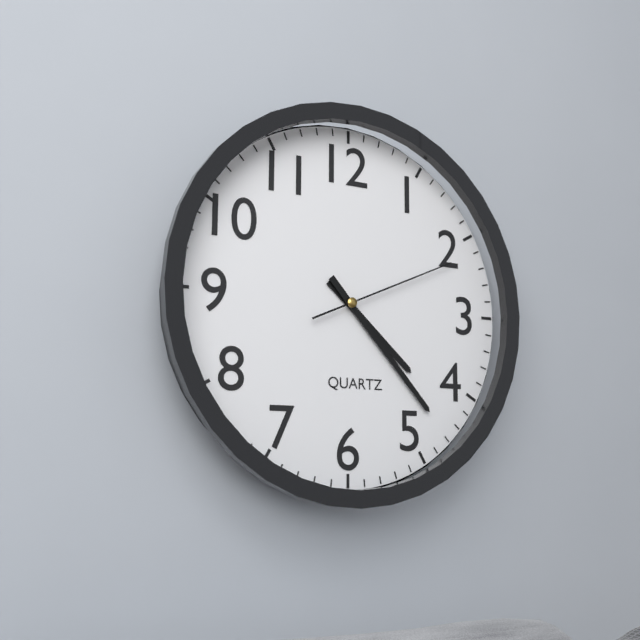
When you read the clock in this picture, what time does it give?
4:23:11
